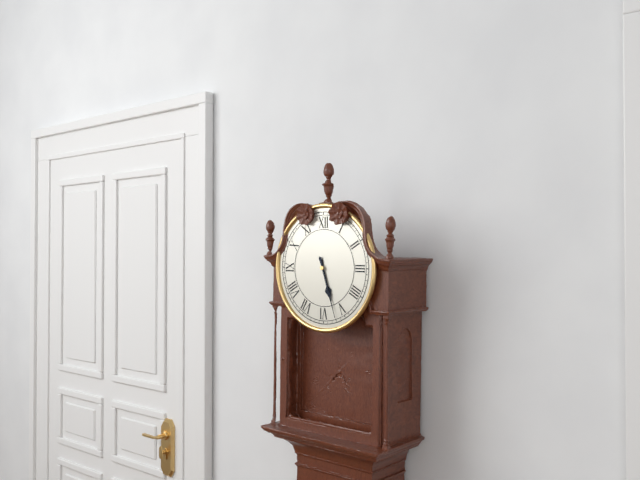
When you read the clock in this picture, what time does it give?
5:27
